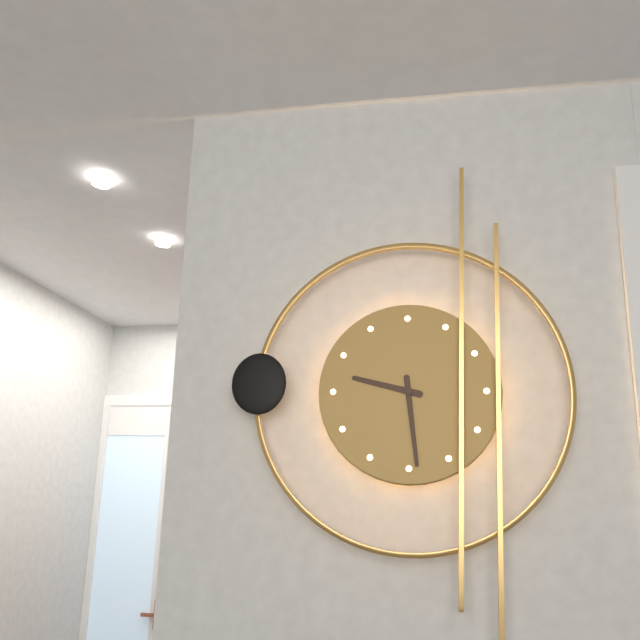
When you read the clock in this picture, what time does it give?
9:29
